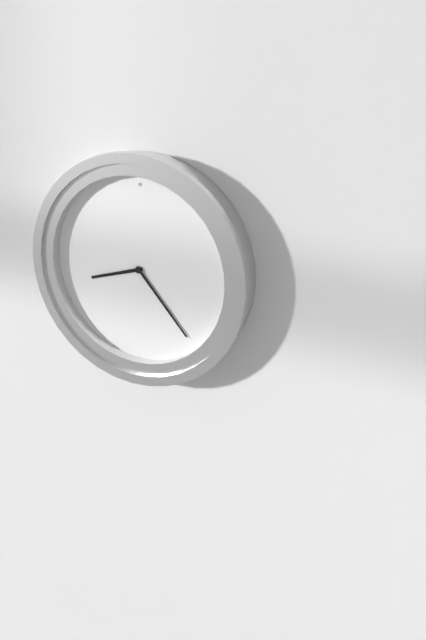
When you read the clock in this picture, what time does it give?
8:23
